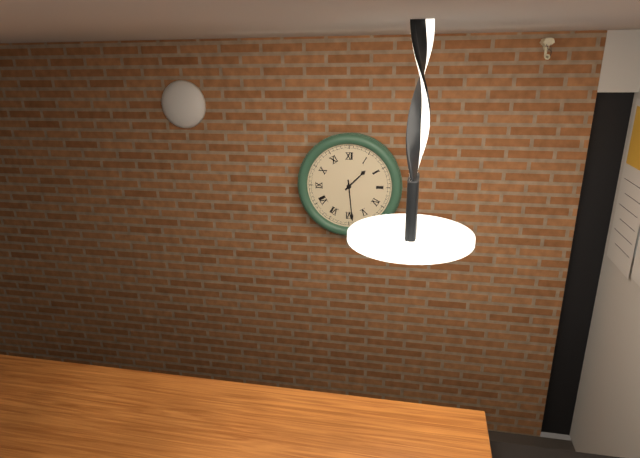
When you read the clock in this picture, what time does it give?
1:29
